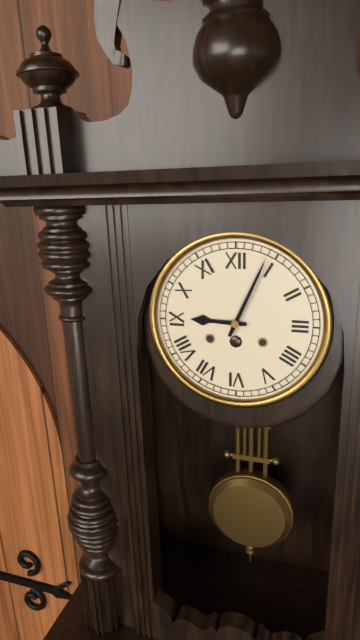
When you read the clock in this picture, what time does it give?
9:04
